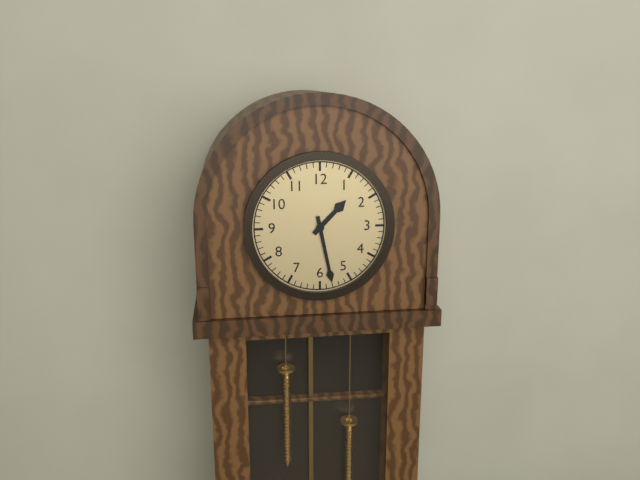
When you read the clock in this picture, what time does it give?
1:28
